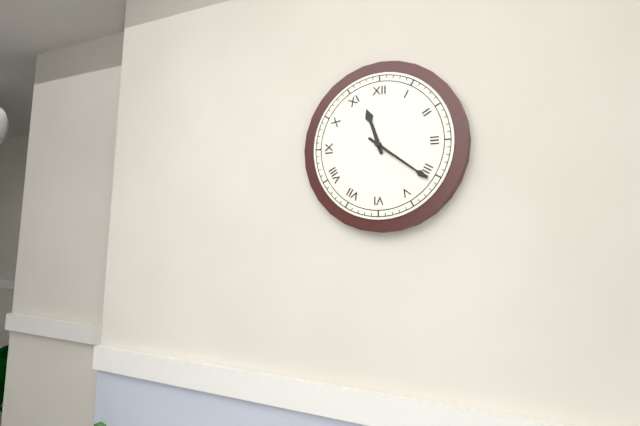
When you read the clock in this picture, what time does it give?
11:21
